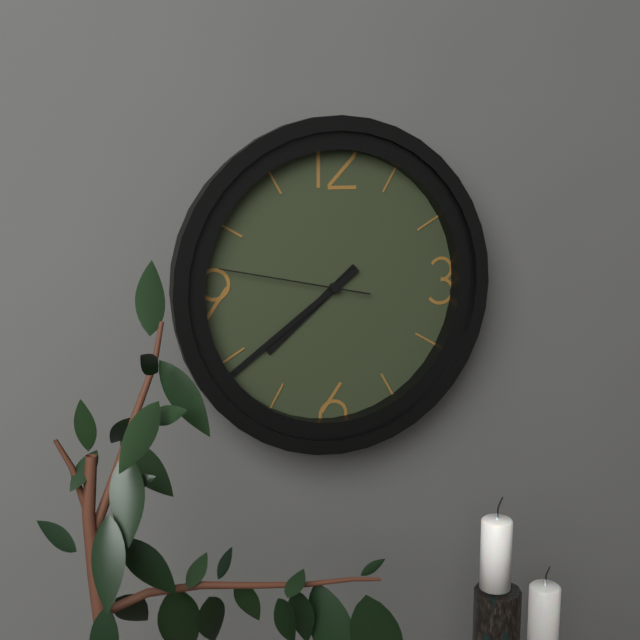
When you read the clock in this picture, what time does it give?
7:39:47
